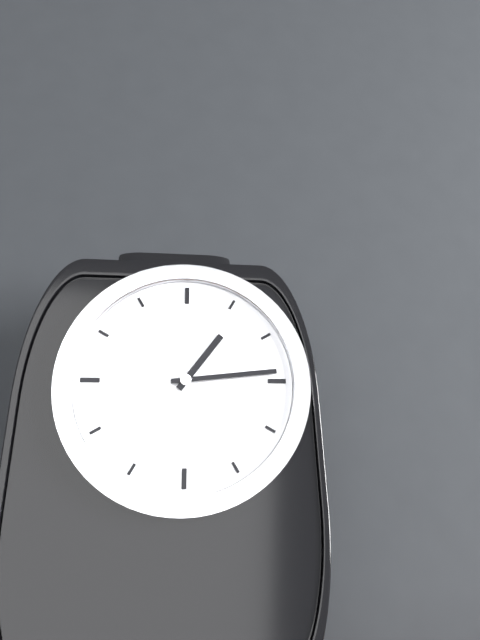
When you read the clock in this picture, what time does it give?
1:14
